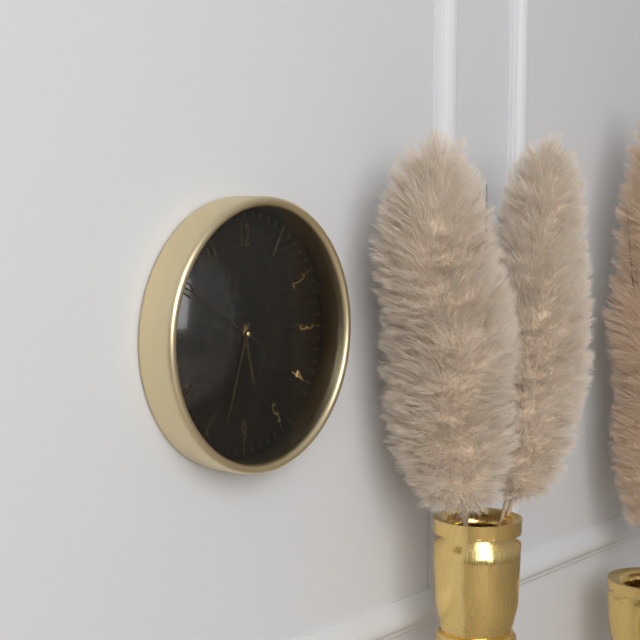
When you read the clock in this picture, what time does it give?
5:33:50
